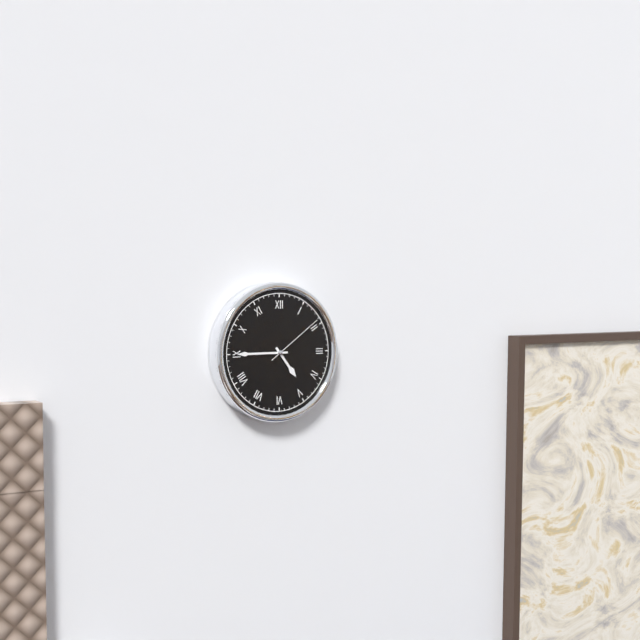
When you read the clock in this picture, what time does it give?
4:45:09
